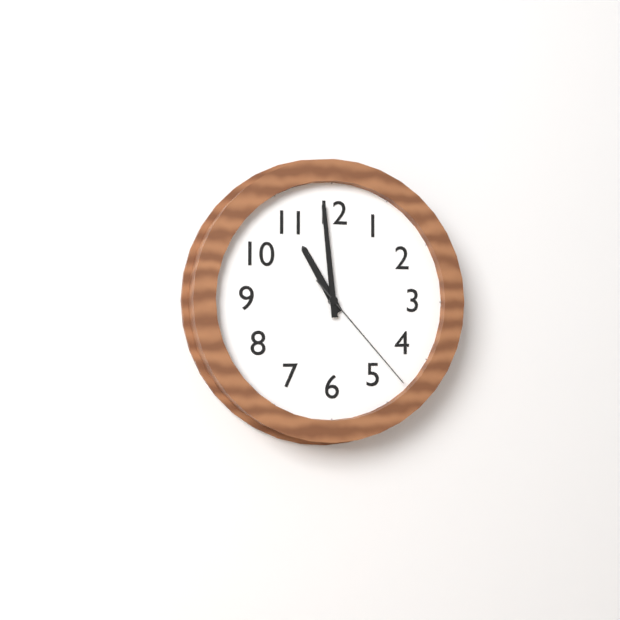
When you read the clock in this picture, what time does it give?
10:59:23
